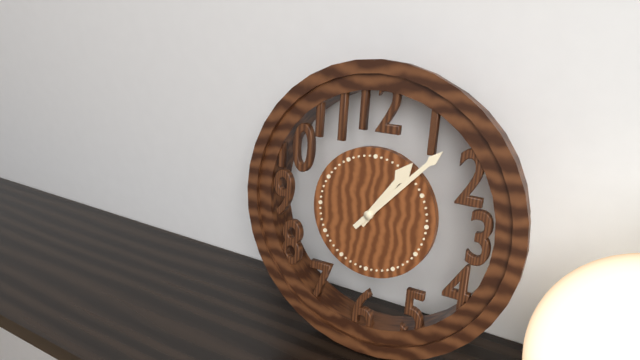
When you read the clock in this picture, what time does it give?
1:07
